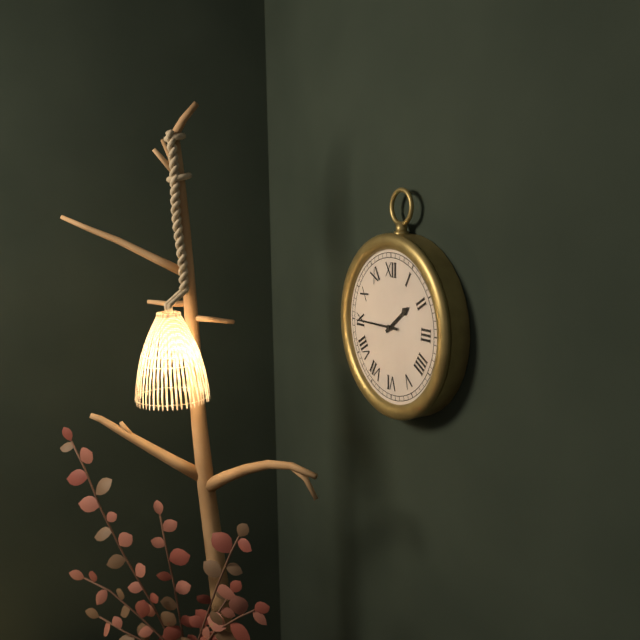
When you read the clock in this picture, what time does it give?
1:45
